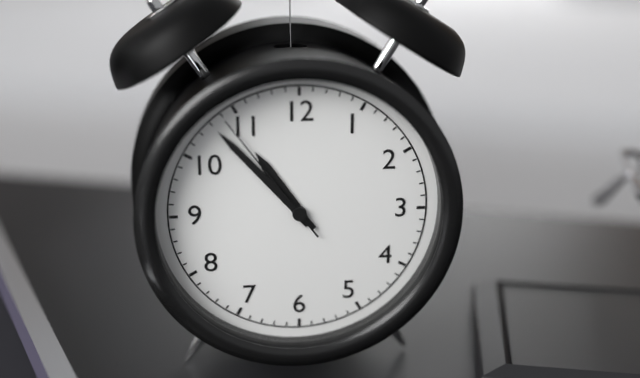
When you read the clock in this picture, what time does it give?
10:53:54
